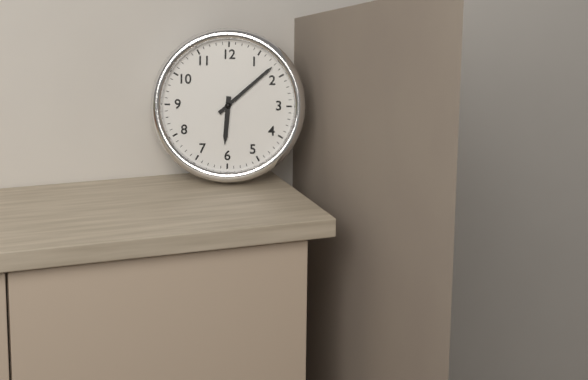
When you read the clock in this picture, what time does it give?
6:08
